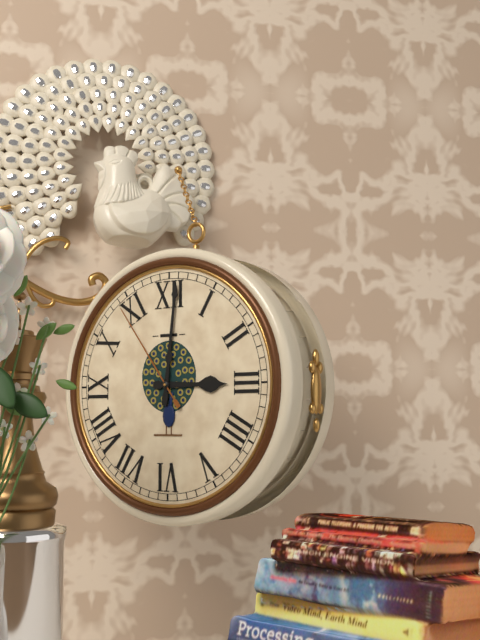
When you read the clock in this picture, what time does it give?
3:01:54
